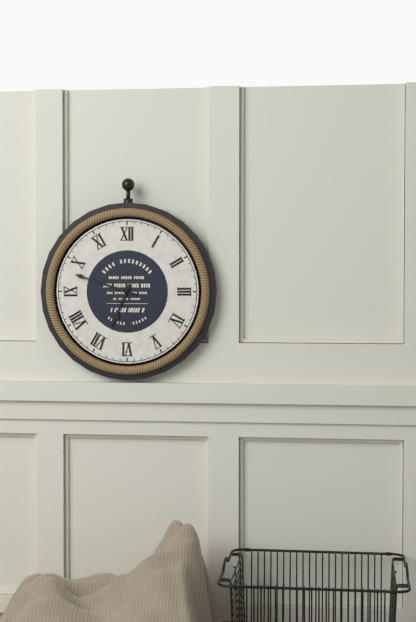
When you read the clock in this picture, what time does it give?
6:48
